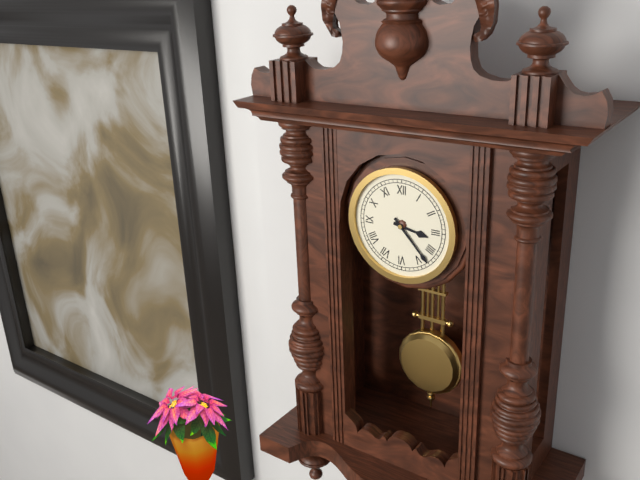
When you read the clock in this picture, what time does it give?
3:23
